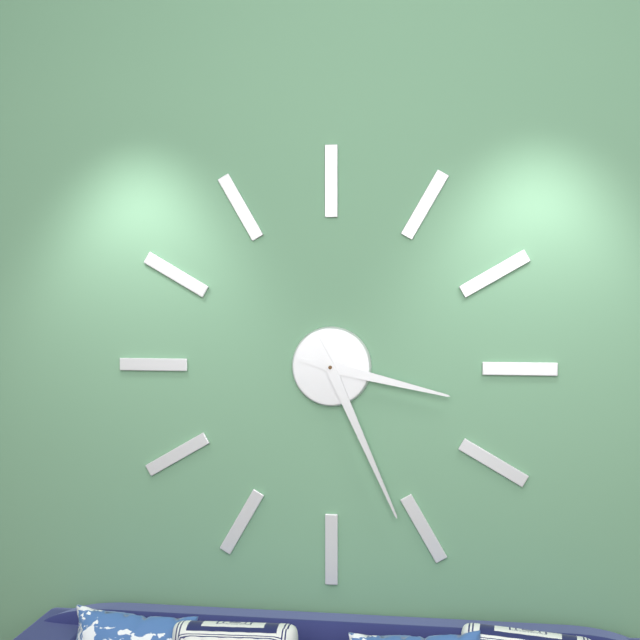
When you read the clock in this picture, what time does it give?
3:26
